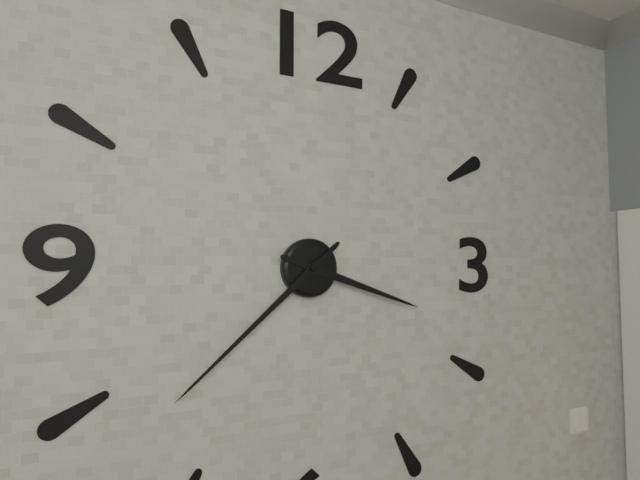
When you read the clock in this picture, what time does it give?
3:38
